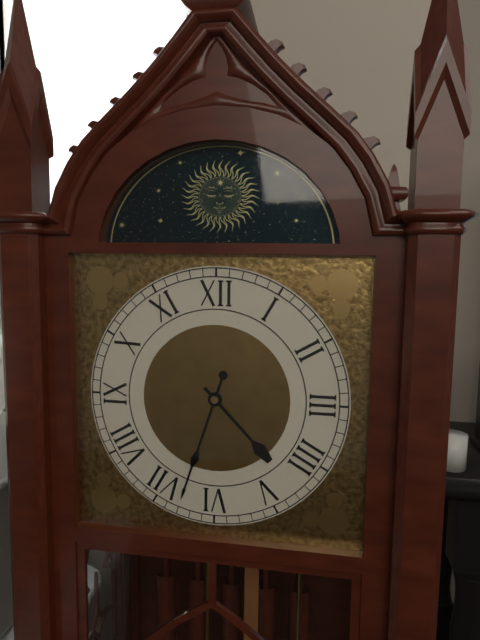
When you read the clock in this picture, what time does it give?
4:33
